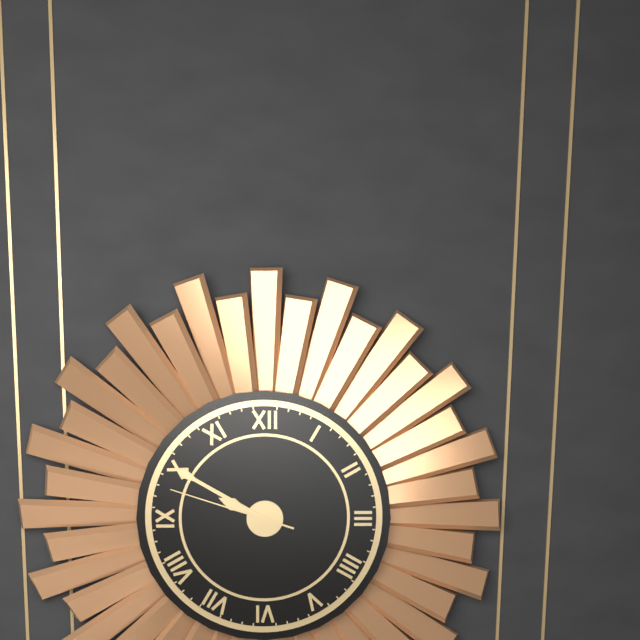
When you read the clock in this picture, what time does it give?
9:50:48
